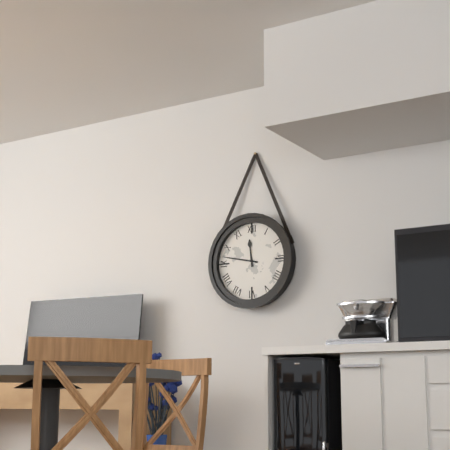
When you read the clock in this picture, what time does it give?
11:47
